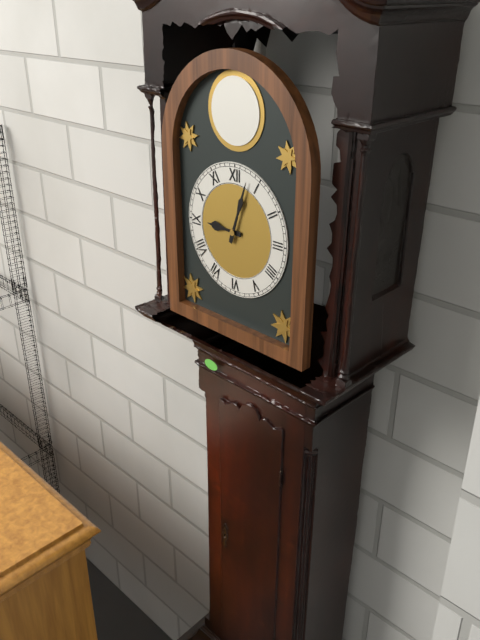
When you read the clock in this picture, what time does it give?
9:03
